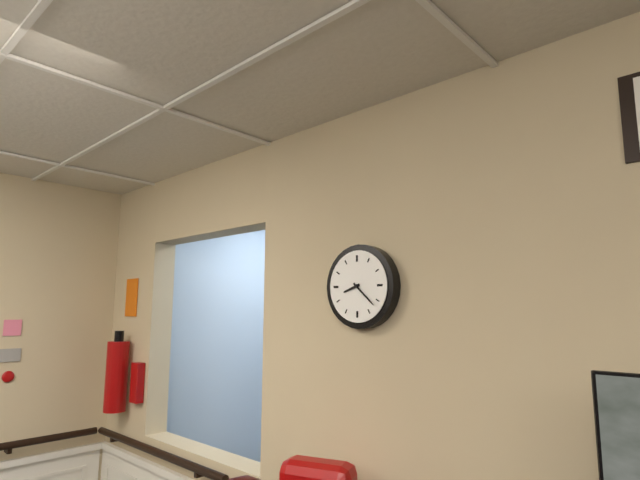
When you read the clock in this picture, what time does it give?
8:22
